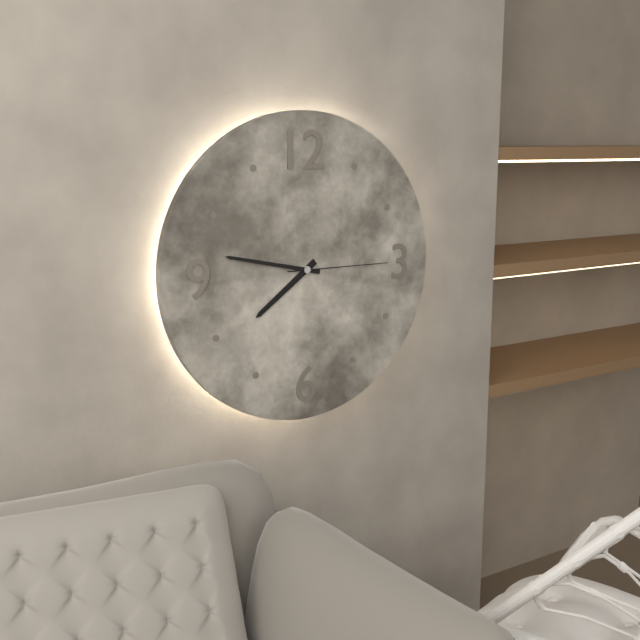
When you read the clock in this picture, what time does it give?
7:47:15
